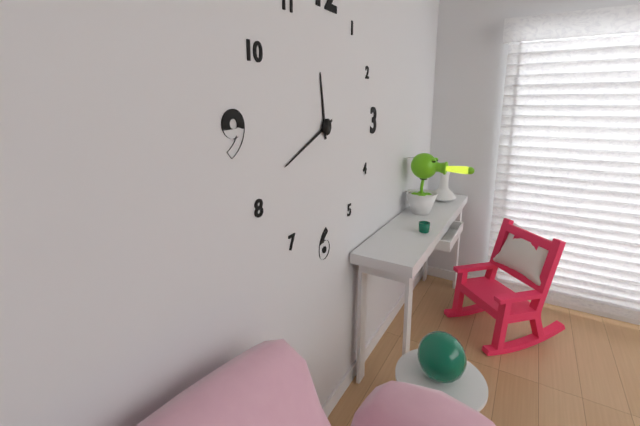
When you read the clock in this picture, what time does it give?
11:41
